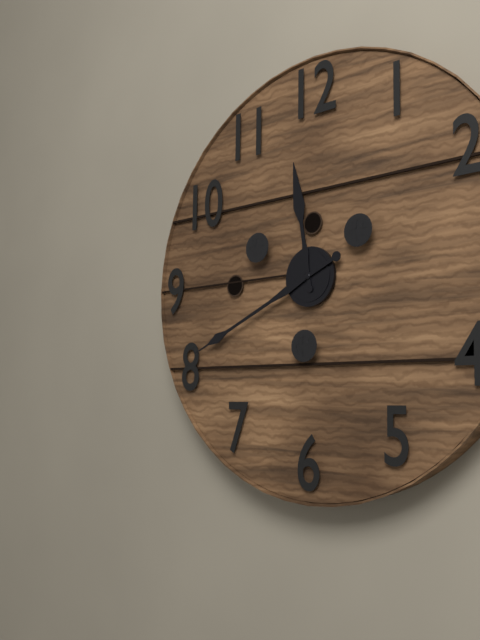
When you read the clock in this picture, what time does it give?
11:41
